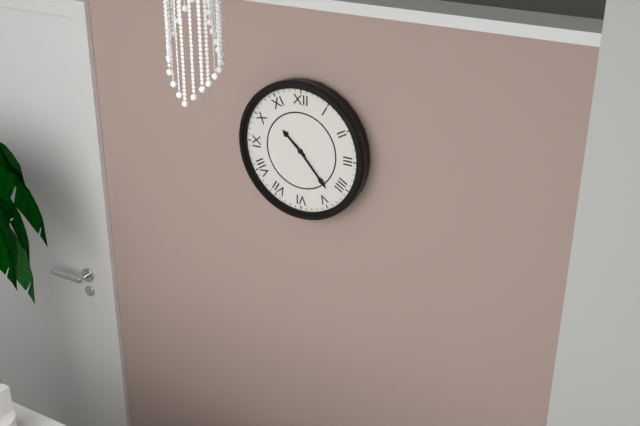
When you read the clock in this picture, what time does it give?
10:23
